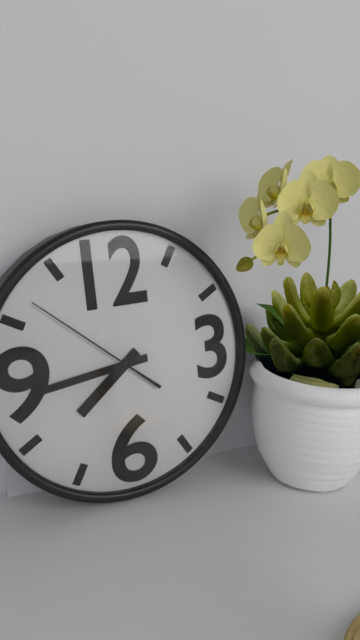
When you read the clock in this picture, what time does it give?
7:44:52
